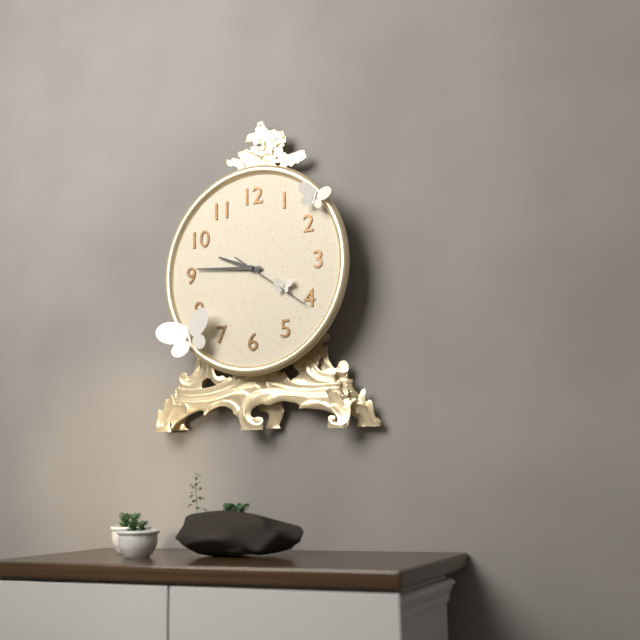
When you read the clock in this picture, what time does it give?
9:46:21
